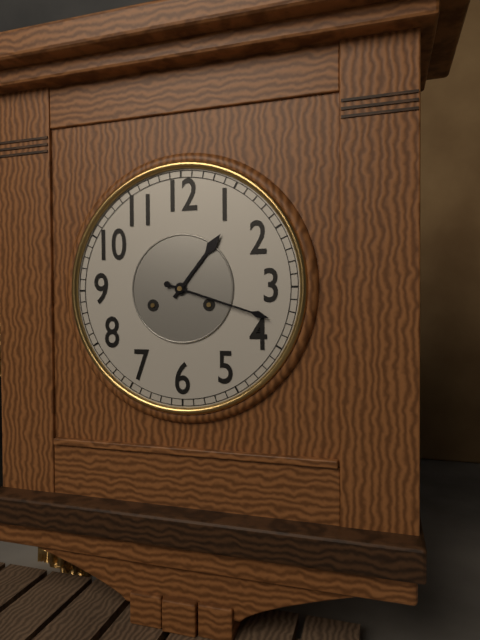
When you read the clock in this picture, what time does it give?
1:18
